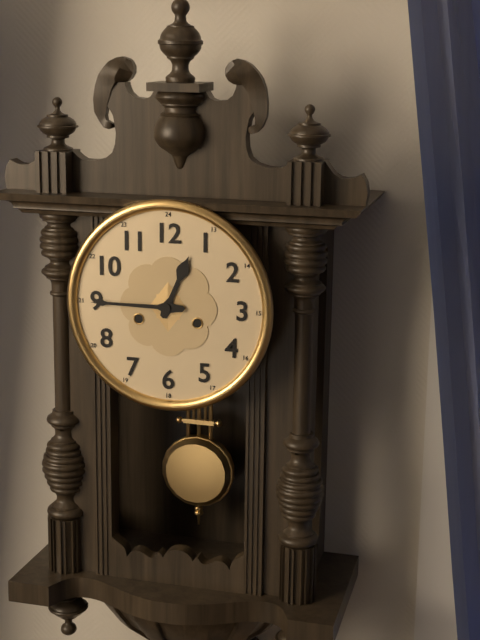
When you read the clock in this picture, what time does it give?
12:45
